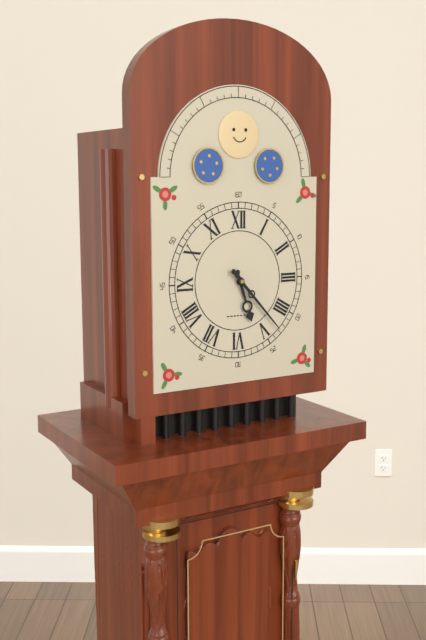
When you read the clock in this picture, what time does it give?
5:23
